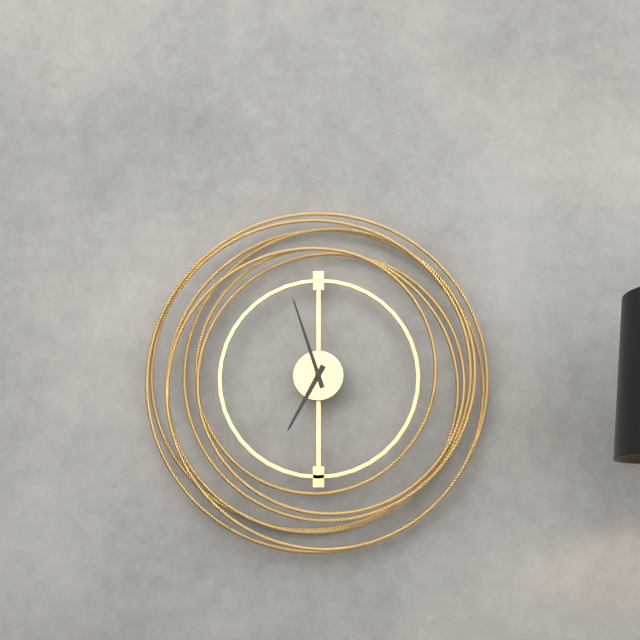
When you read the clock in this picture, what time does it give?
6:57
